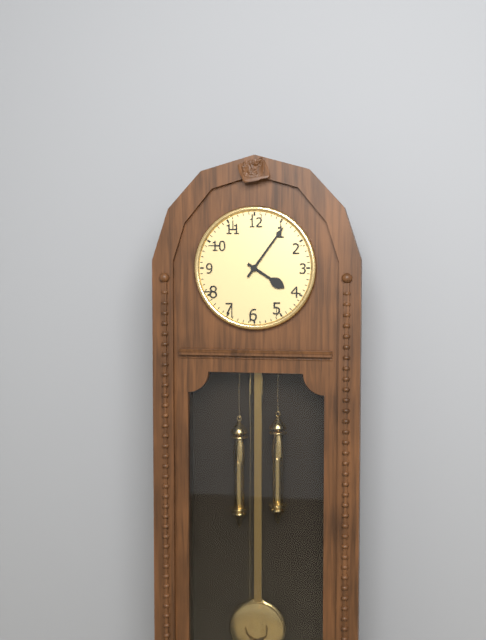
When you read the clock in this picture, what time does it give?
4:06
